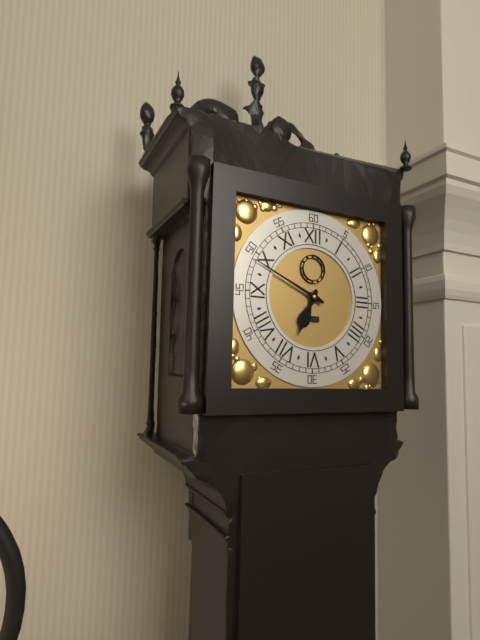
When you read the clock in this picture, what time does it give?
6:49
